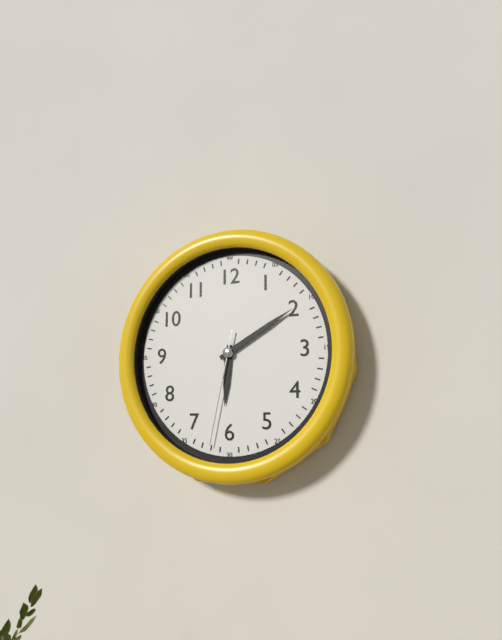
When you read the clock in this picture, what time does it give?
6:10:32
